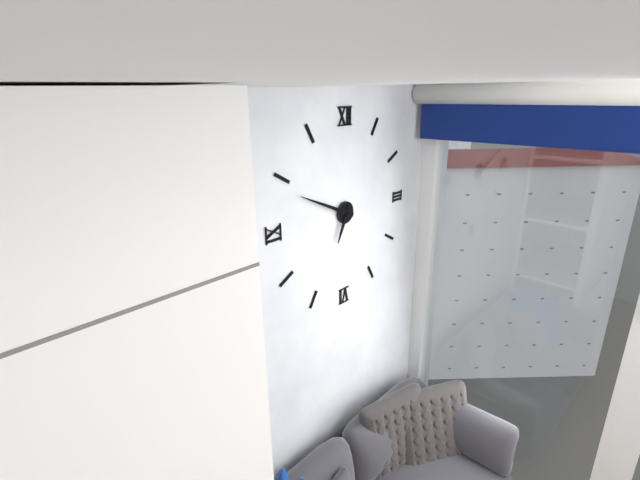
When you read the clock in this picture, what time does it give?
6:49
